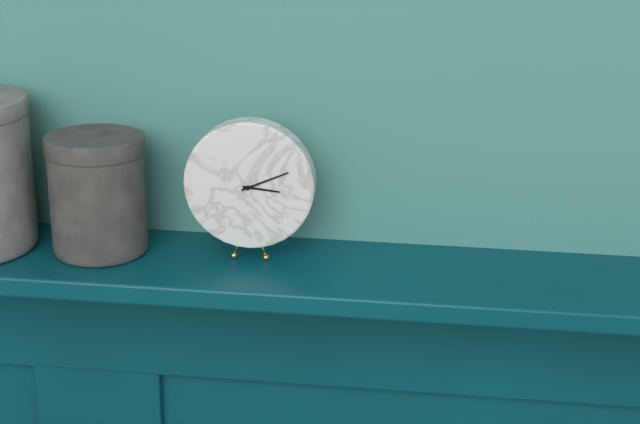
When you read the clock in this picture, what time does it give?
3:11
